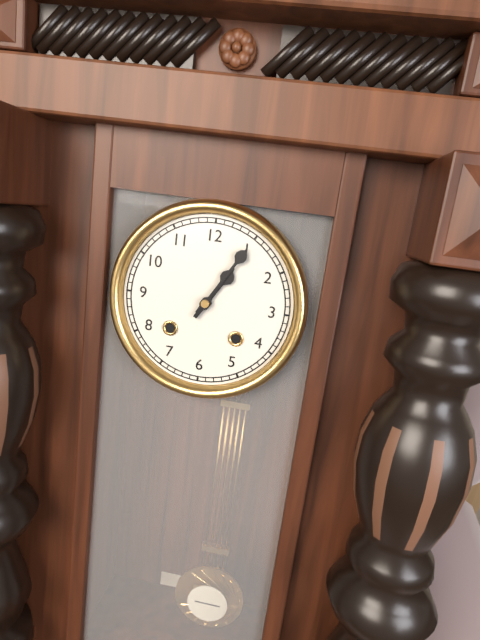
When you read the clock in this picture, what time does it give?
1:05
